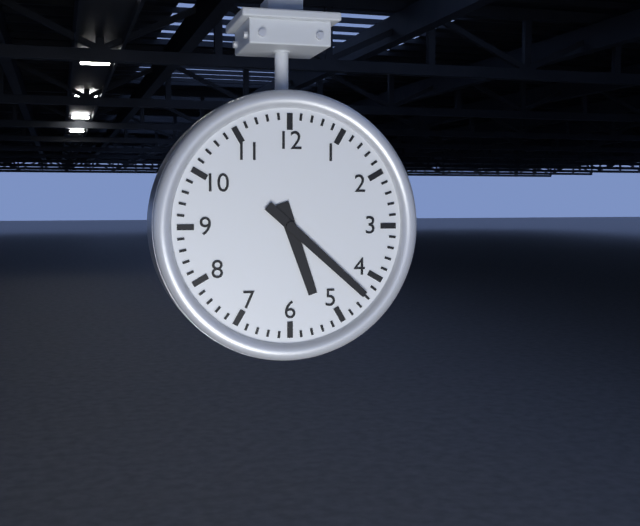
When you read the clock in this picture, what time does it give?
5:22
